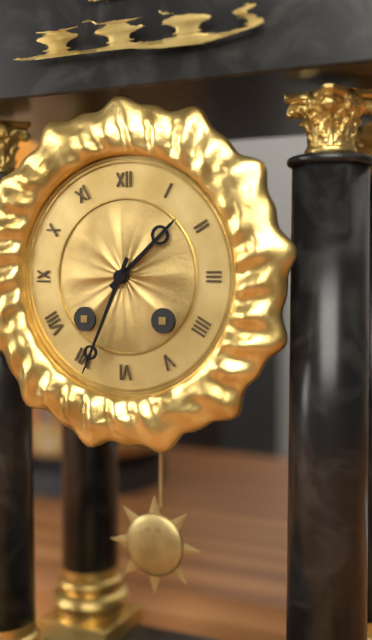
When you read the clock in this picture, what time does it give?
1:34
